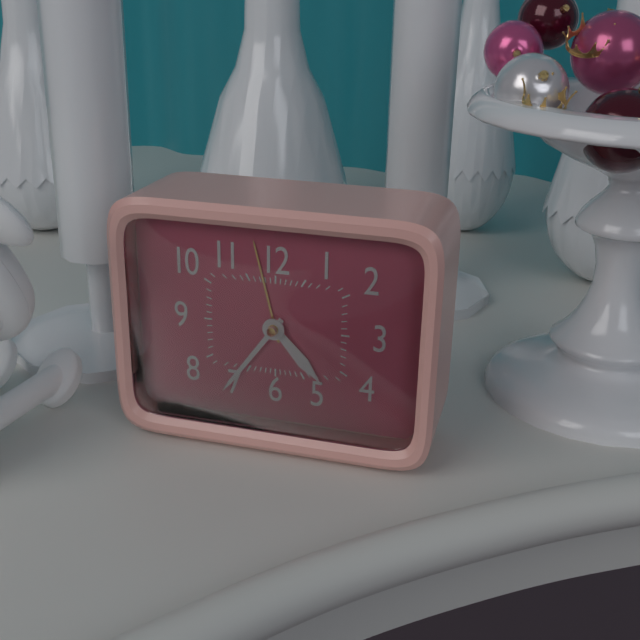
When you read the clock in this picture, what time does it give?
4:36
